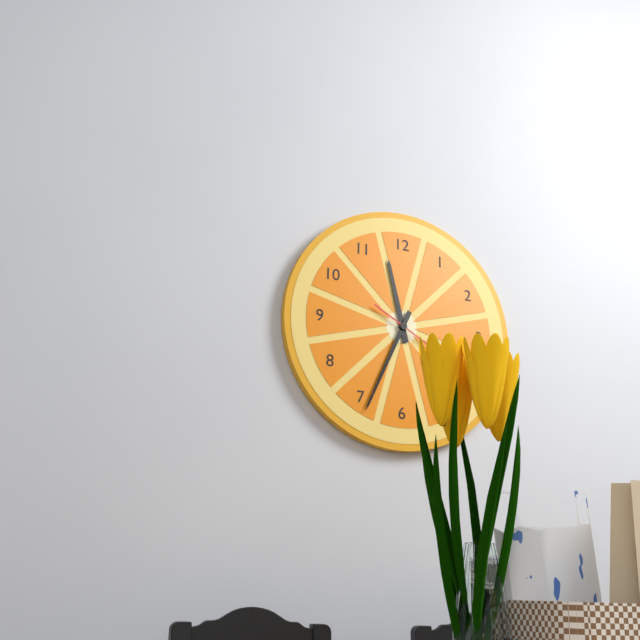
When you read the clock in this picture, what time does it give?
11:34
